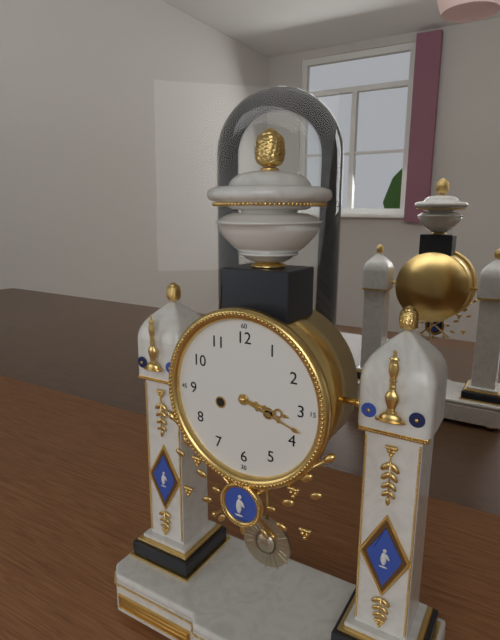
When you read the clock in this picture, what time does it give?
3:18
